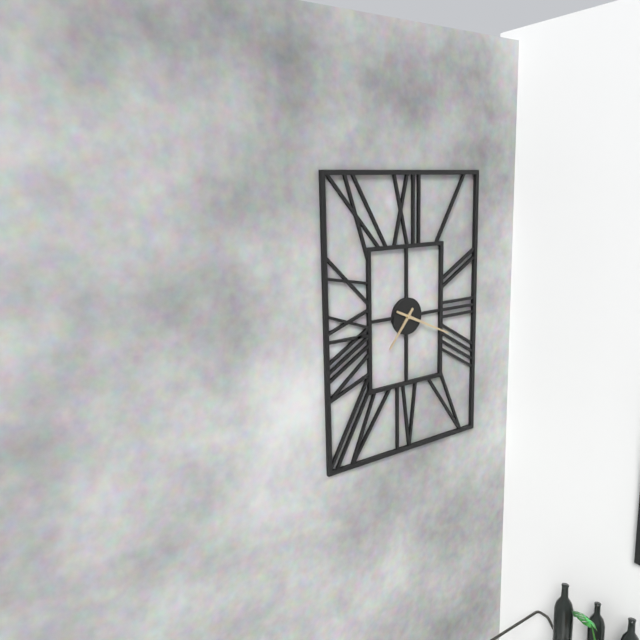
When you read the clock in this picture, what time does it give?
7:19
